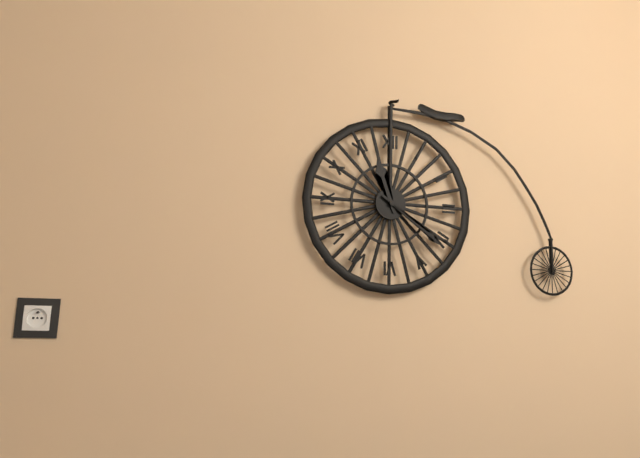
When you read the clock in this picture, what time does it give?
11:21
